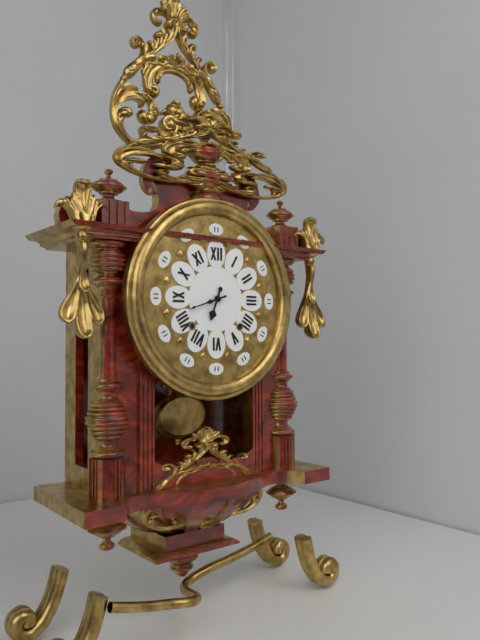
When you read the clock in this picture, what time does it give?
6:42
